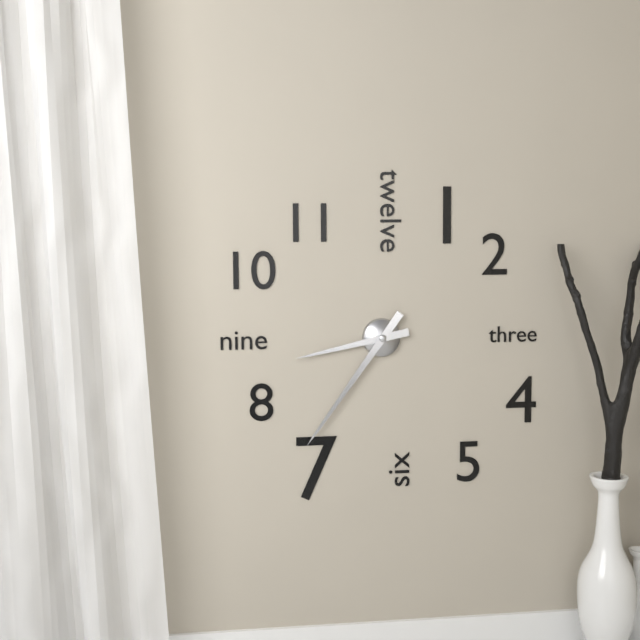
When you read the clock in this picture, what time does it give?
8:36
